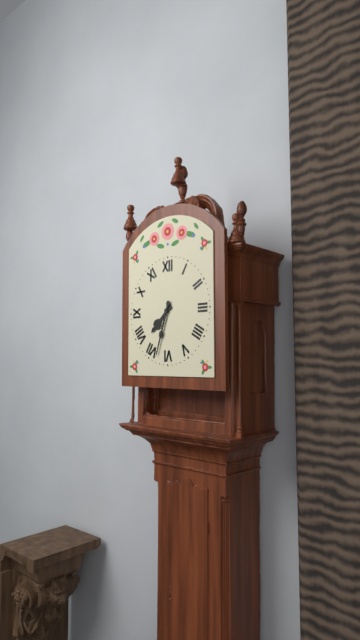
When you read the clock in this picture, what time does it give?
7:33
